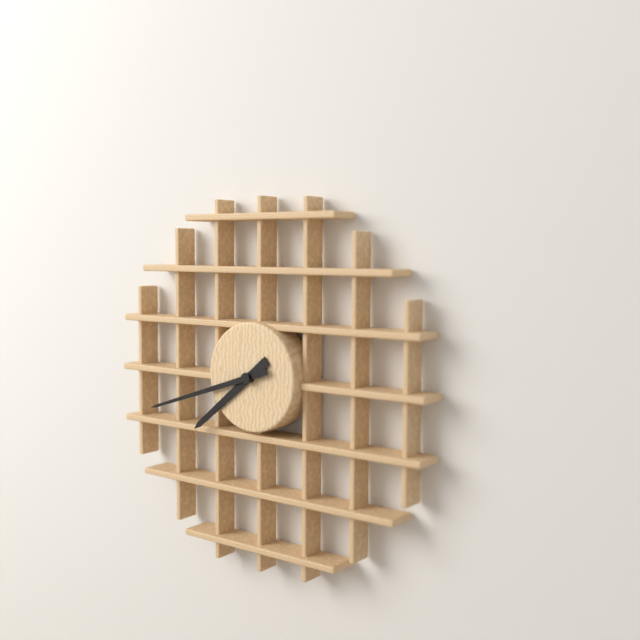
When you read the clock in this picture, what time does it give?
7:42
